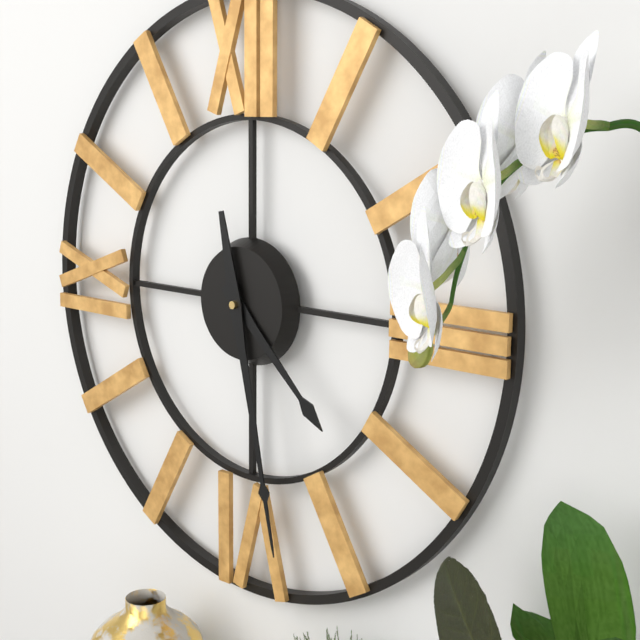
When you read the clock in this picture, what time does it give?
4:28
